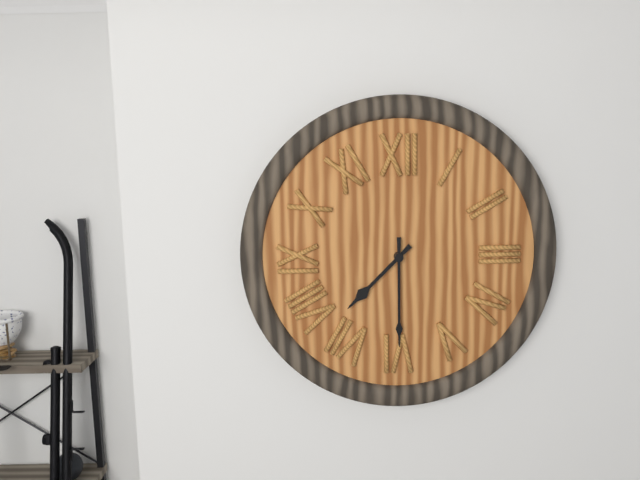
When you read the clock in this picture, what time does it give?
7:30
